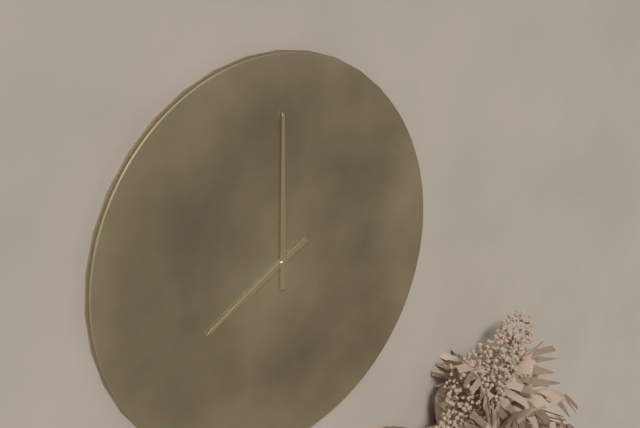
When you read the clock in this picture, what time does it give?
8:00
